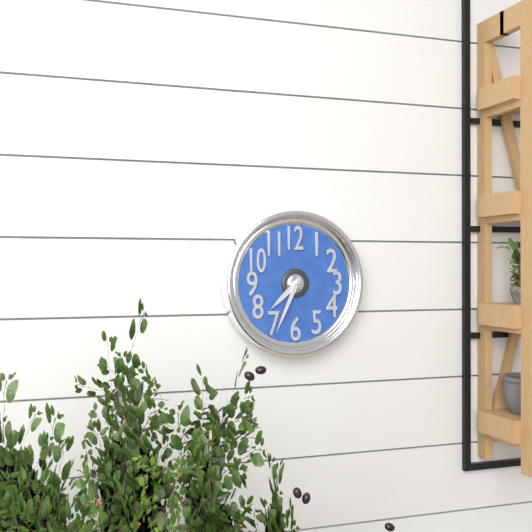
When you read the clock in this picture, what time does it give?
7:34
